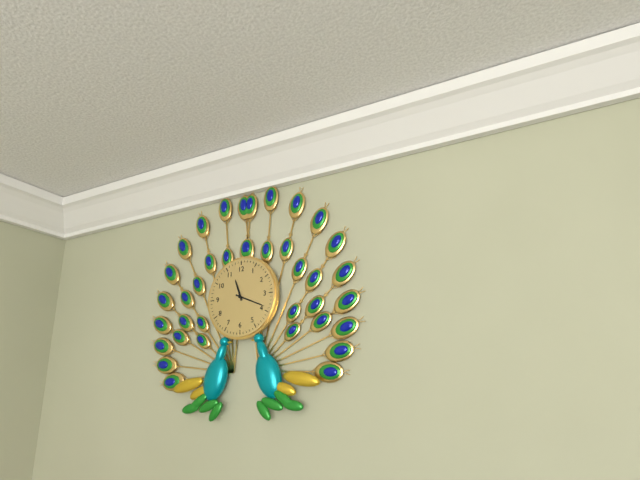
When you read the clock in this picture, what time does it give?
11:19
